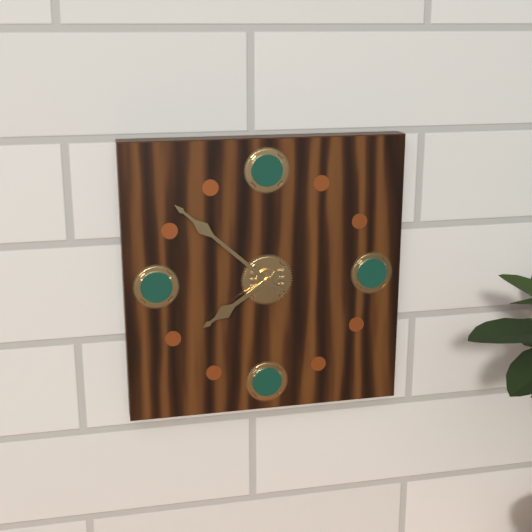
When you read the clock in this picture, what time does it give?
7:52
